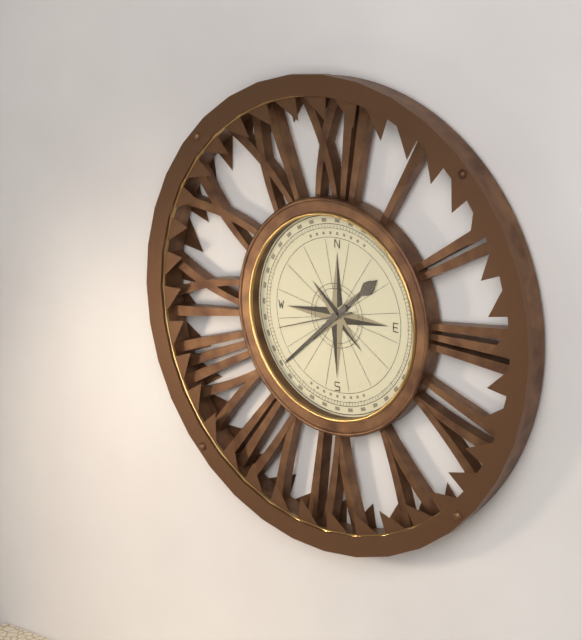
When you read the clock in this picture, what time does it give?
1:38:42
